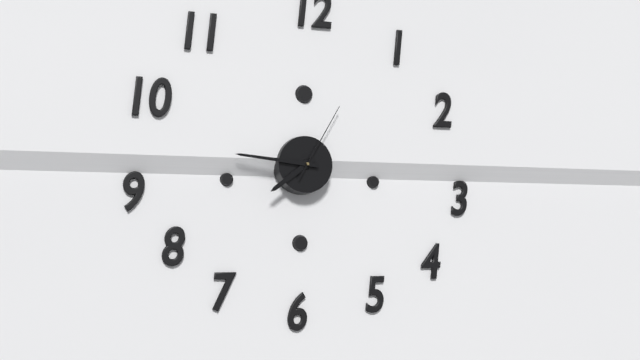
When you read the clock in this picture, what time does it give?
7:46:05
